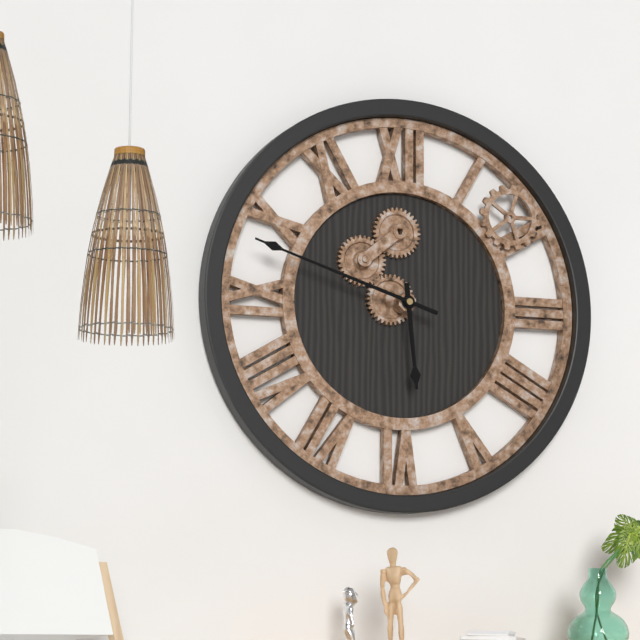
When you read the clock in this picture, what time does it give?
5:48
